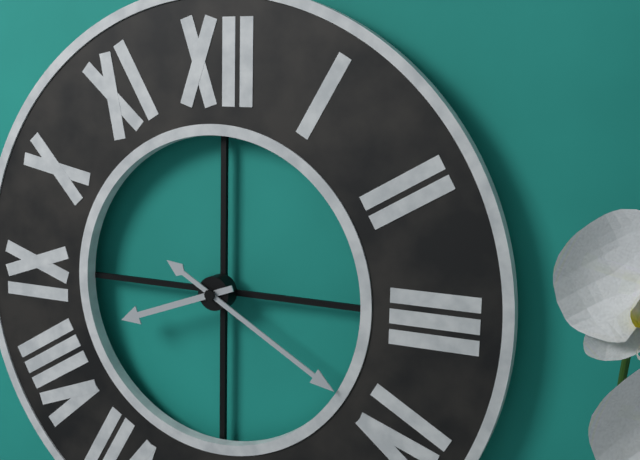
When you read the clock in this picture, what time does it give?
8:20
